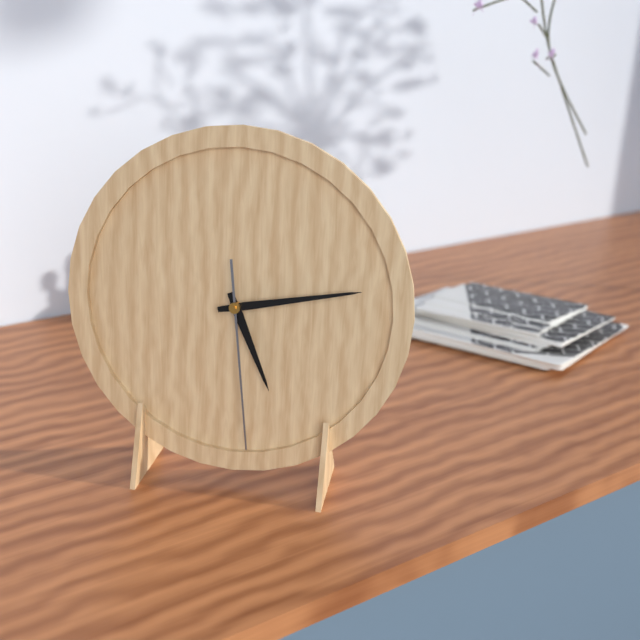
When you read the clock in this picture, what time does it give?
5:13:29
